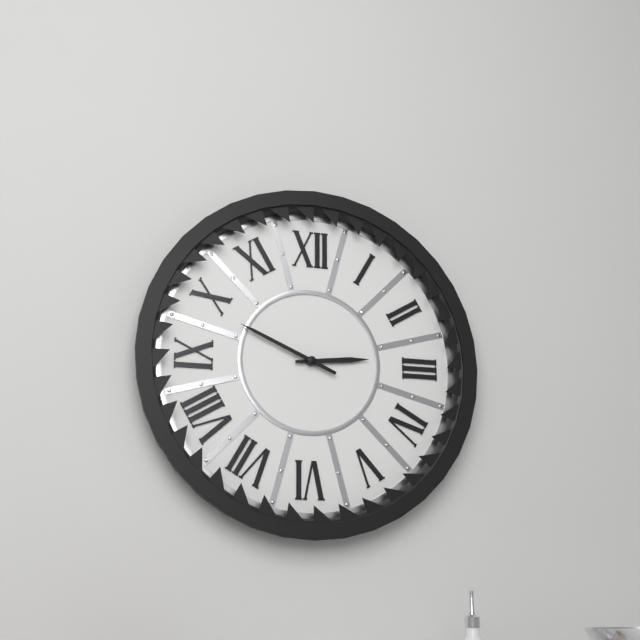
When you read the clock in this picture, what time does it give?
2:49
